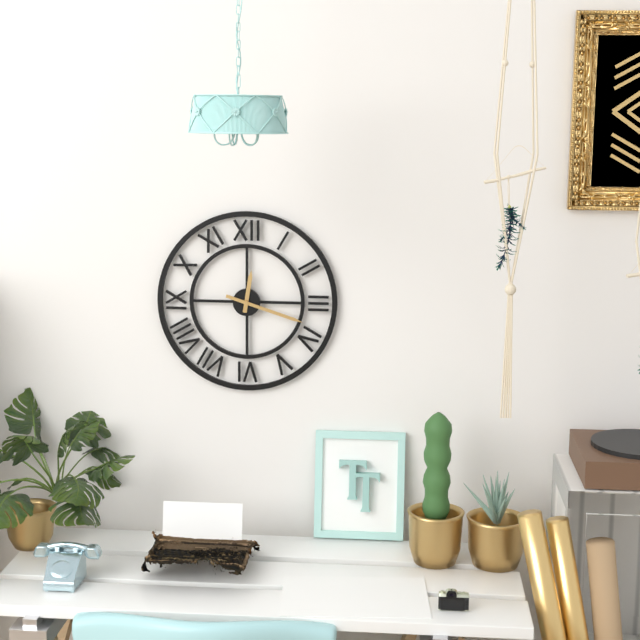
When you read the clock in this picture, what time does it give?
12:18
